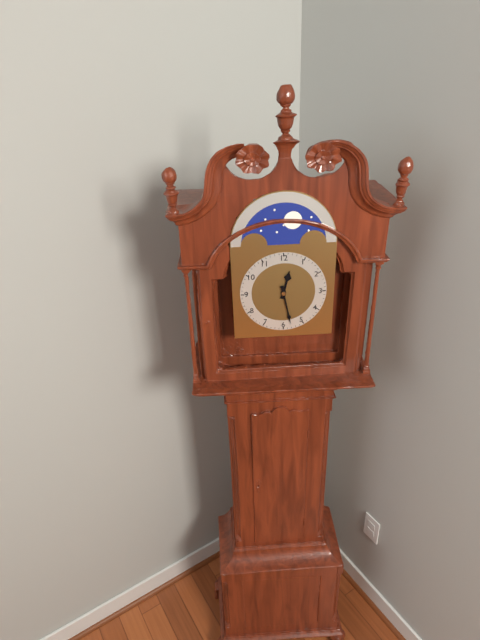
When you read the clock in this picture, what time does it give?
12:28
